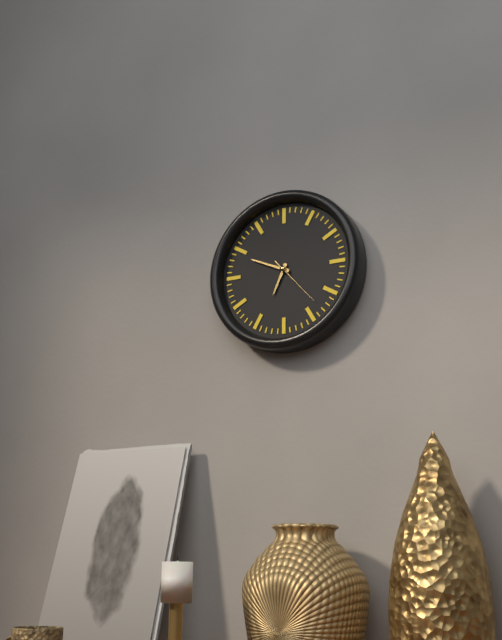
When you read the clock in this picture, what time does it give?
6:49:23
